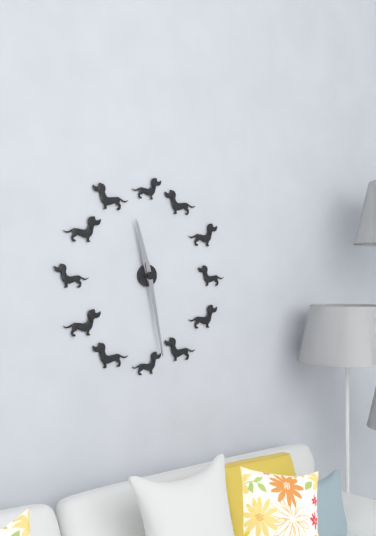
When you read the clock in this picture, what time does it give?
11:28
